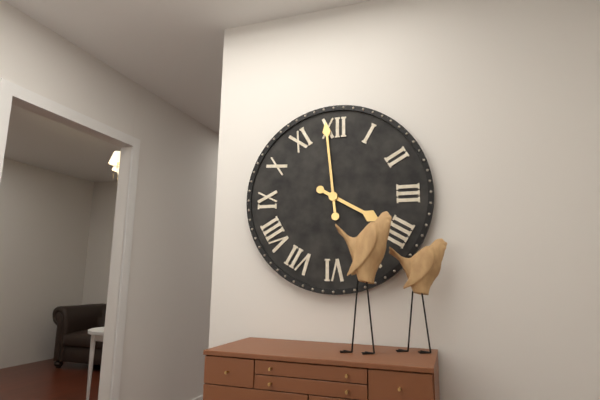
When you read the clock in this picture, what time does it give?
3:59
